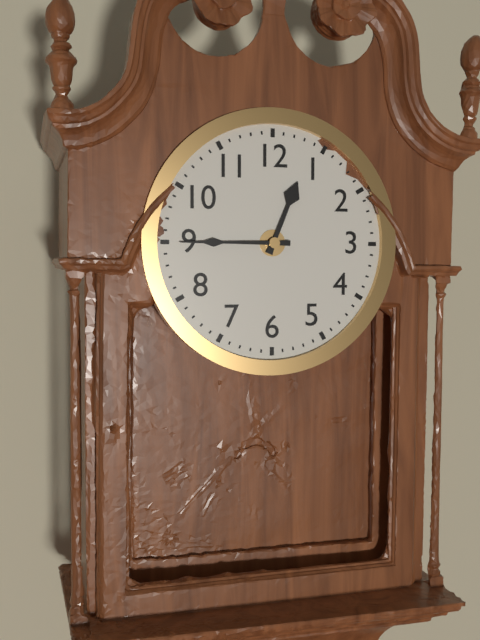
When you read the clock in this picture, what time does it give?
12:45
